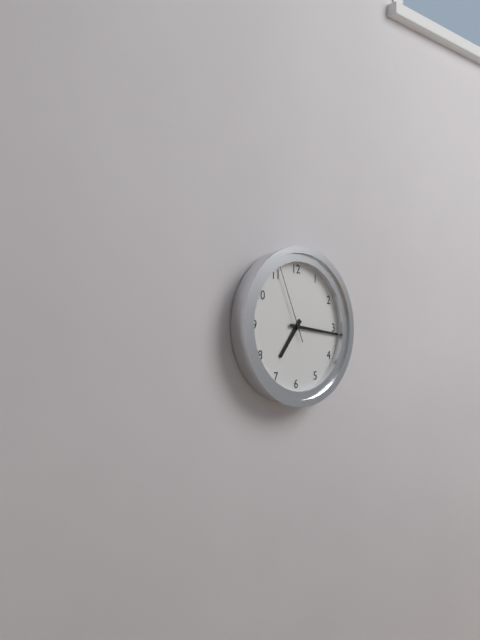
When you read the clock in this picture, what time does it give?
7:16:56
